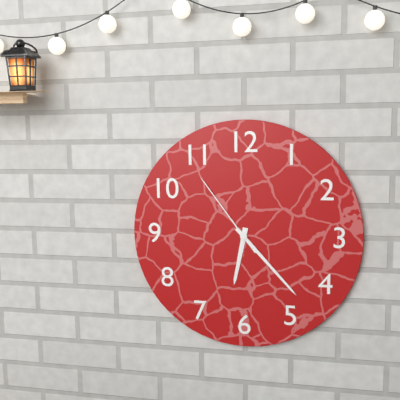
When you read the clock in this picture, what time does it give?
6:23:54
